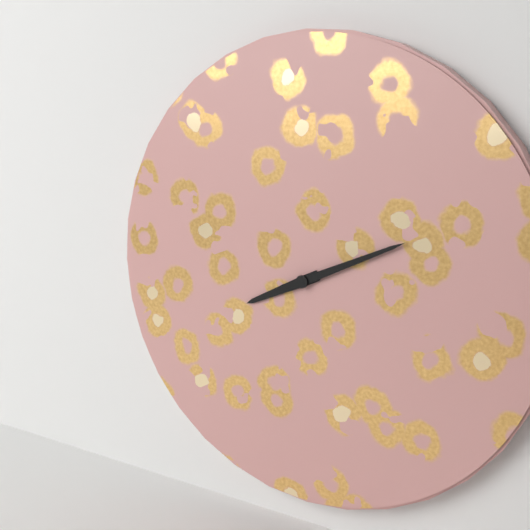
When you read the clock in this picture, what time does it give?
8:11
